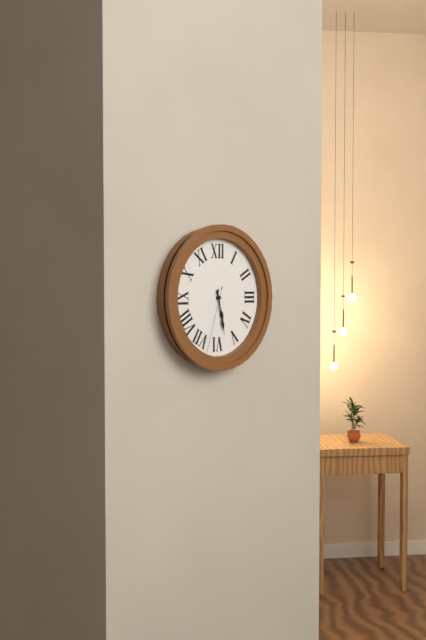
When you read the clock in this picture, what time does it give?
5:28:33
